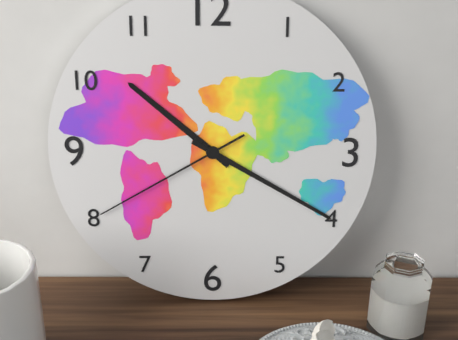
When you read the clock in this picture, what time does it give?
10:20:40
